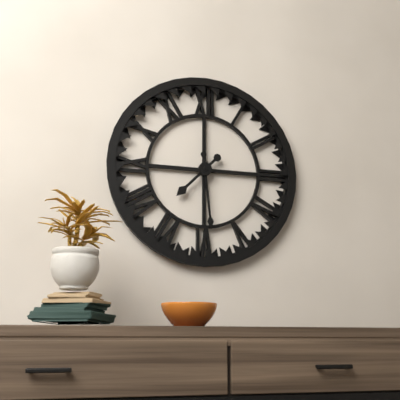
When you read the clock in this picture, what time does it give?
7:29
